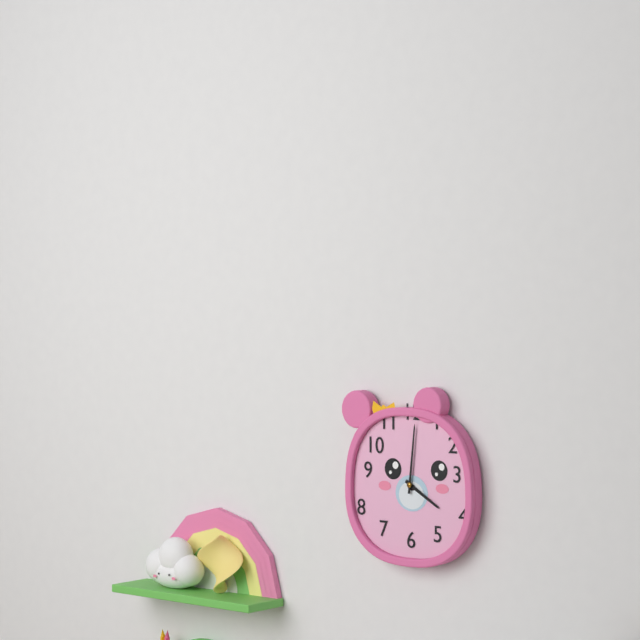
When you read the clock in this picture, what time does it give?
4:01
